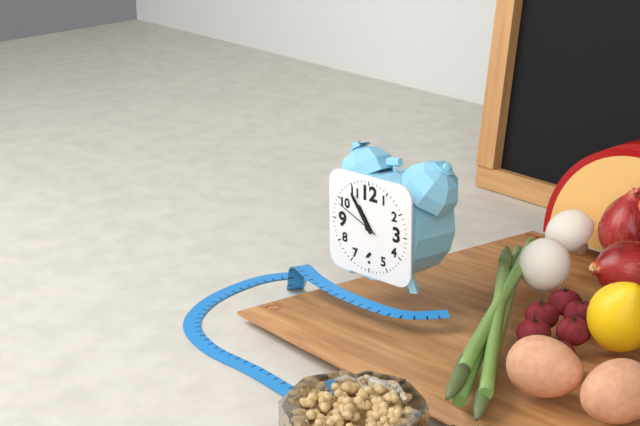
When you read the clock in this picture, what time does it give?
10:54
